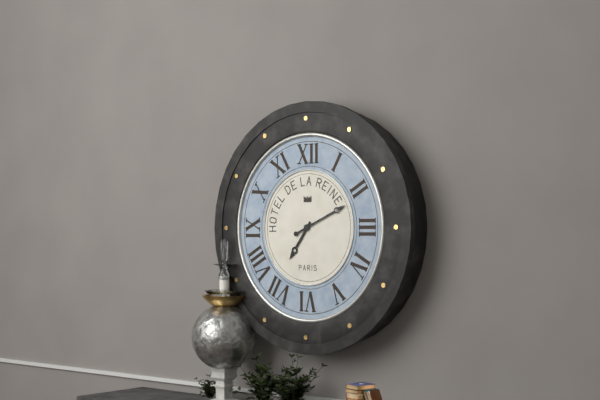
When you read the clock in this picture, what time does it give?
7:11
